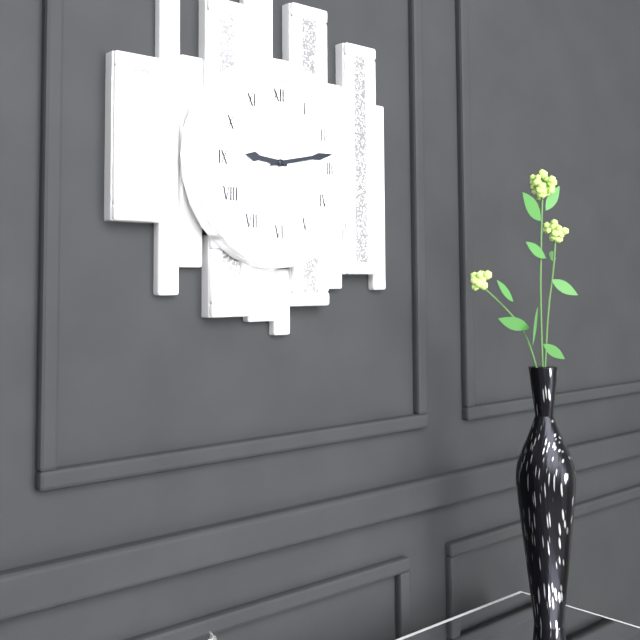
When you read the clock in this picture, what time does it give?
9:13
